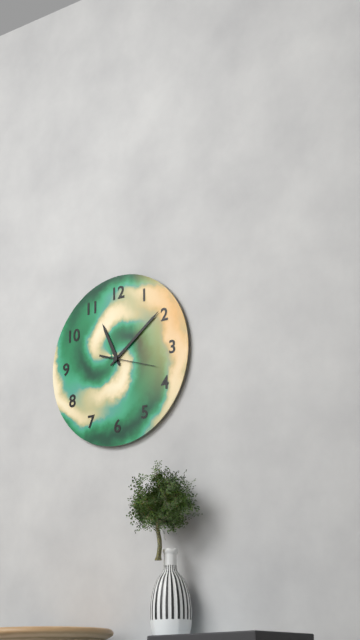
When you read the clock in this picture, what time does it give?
11:09:18
